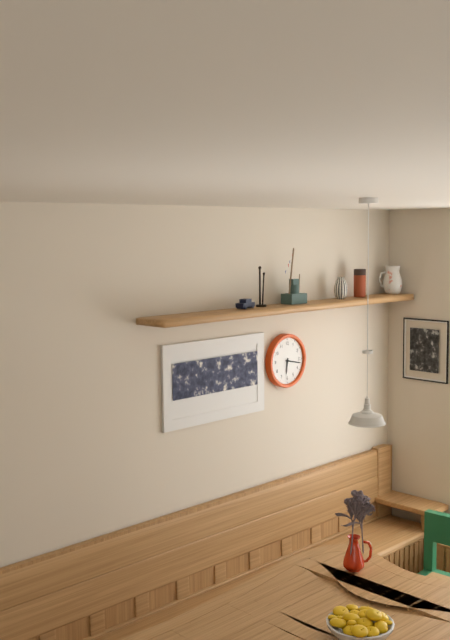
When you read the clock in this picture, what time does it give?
6:17
